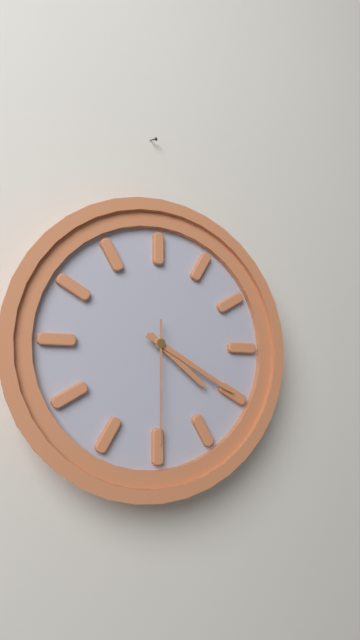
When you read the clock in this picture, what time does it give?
4:20:30
